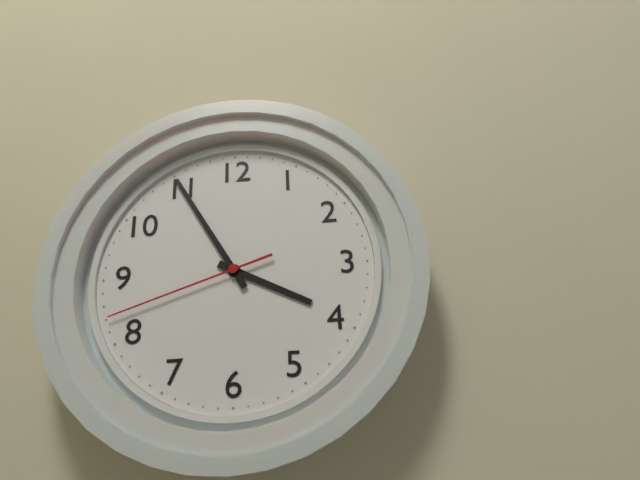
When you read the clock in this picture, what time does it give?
3:55:42
